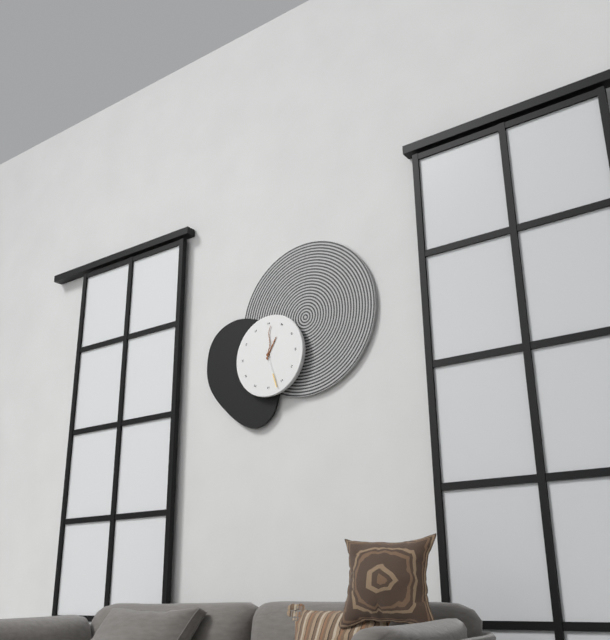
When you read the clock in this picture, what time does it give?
1:01
